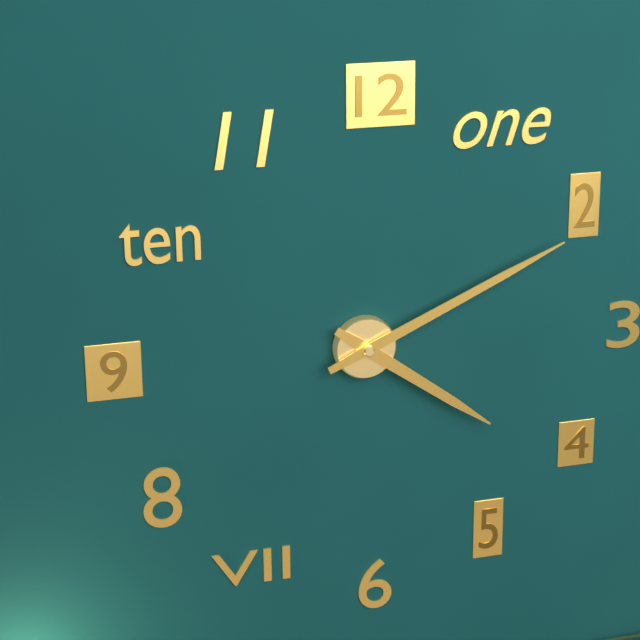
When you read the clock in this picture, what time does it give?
4:11
